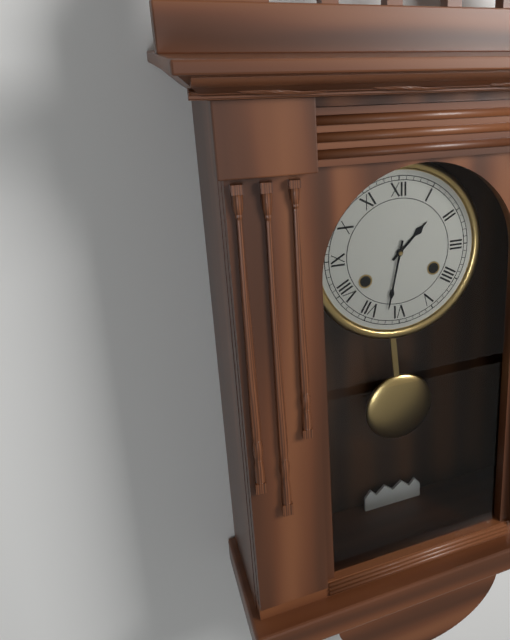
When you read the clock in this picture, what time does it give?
1:32
